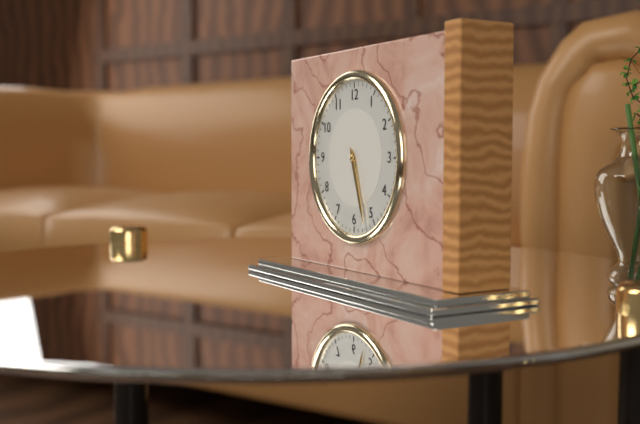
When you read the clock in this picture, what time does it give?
5:27
